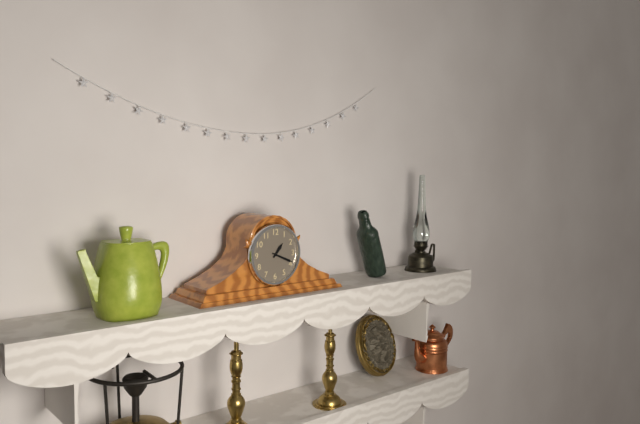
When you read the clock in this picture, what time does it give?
1:19
